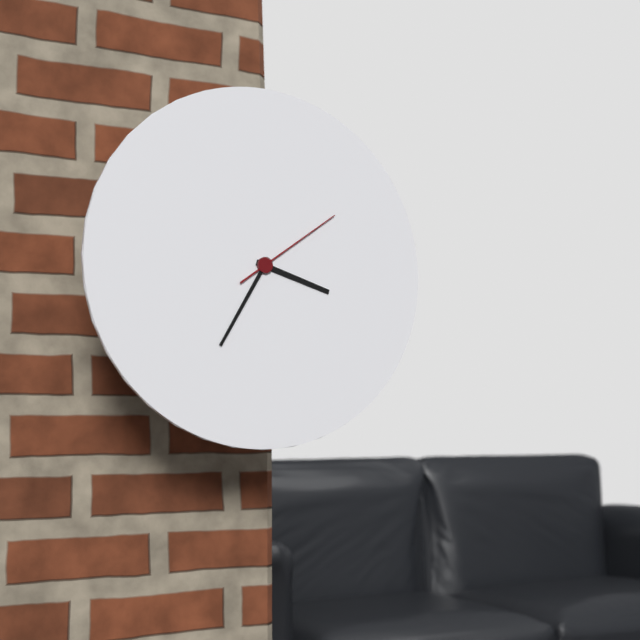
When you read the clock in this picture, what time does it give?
3:35:09
